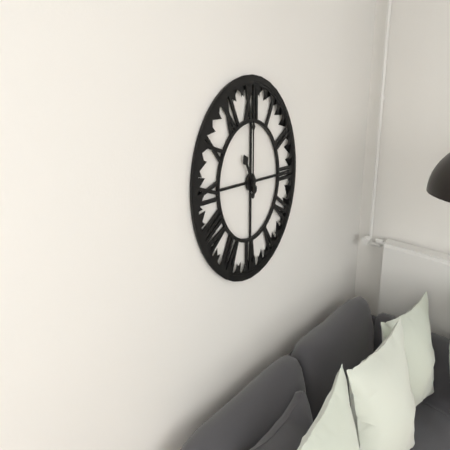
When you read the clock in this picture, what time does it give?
11:00
